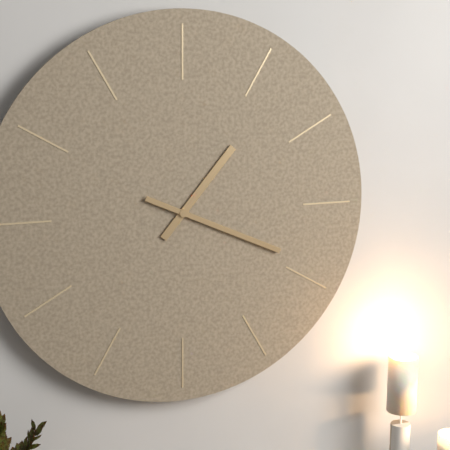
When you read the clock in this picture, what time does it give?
1:19
